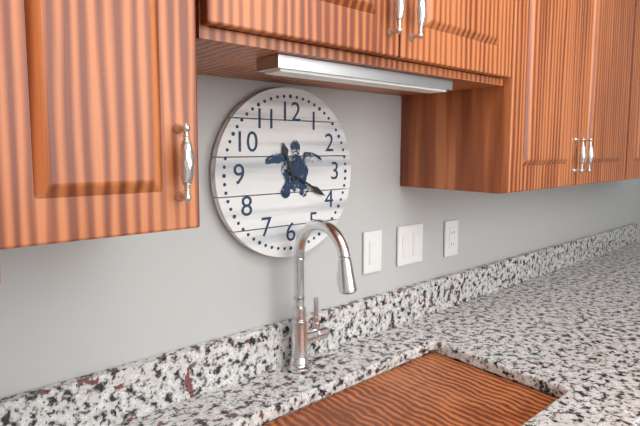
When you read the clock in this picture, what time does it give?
11:20
